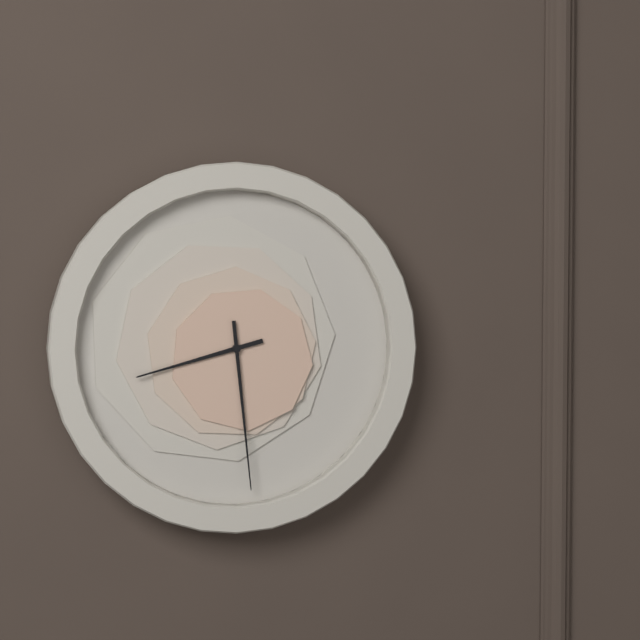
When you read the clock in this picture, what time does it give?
8:29
